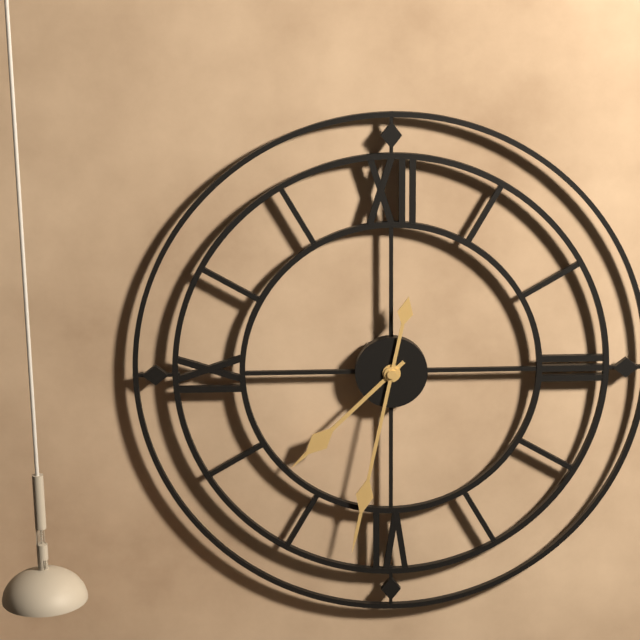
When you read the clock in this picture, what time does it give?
7:32
